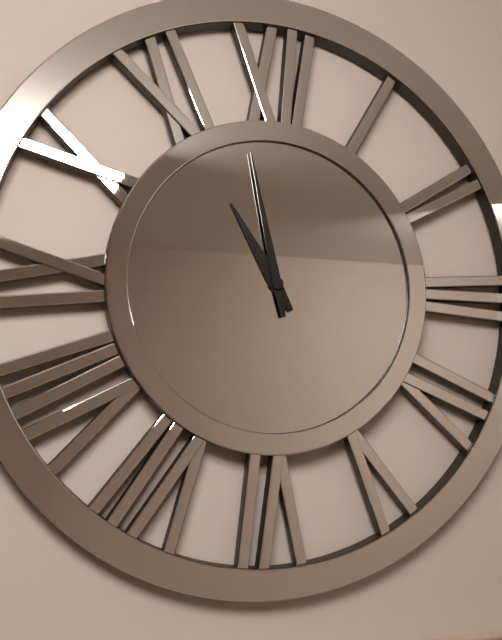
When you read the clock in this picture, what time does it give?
10:58
